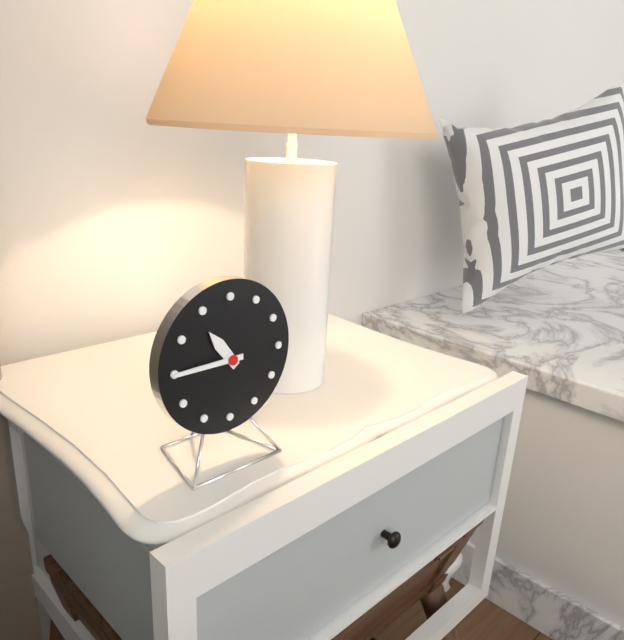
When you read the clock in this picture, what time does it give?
10:45
